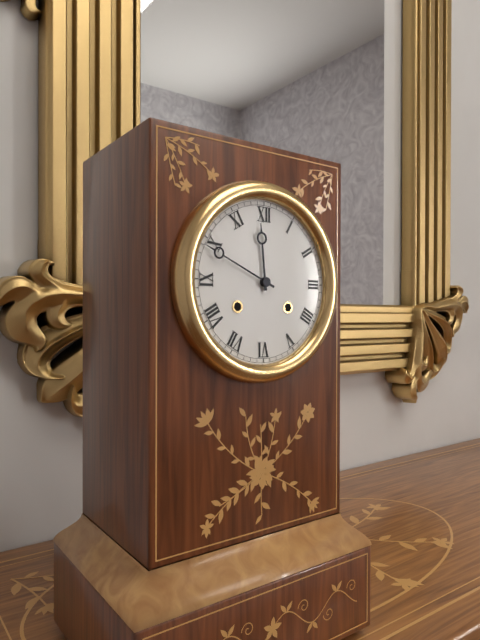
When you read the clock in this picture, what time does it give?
11:49
